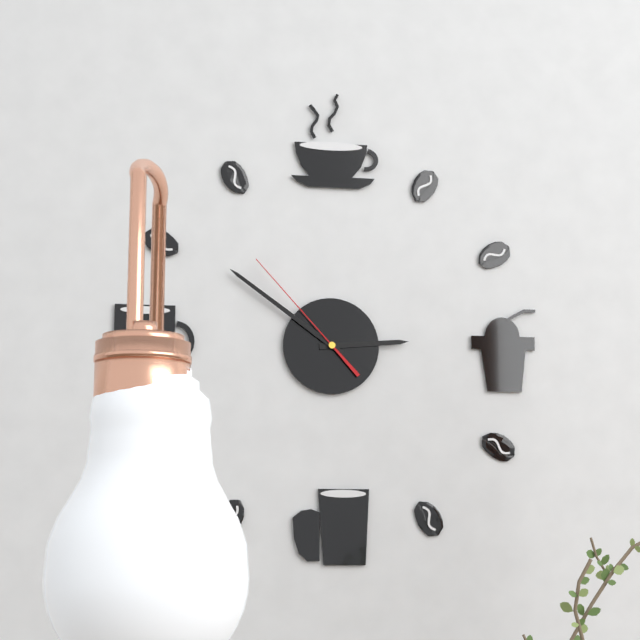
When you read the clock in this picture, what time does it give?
2:51:53
